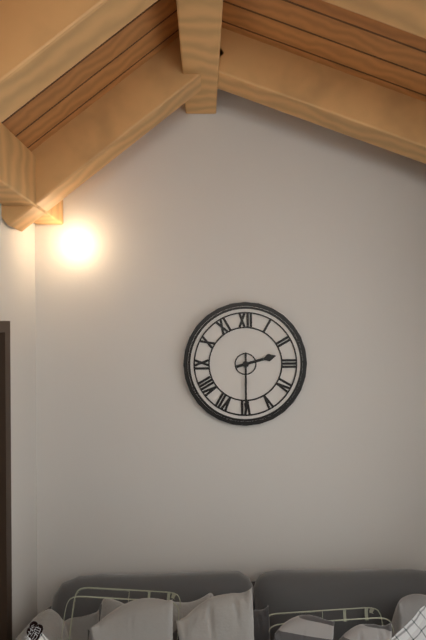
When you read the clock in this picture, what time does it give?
2:30
